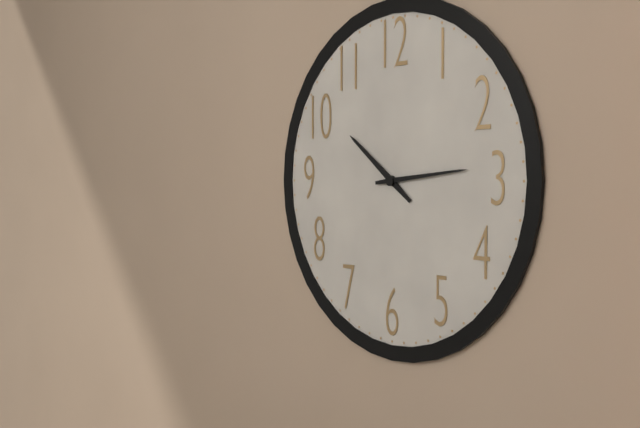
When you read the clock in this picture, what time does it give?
10:14
